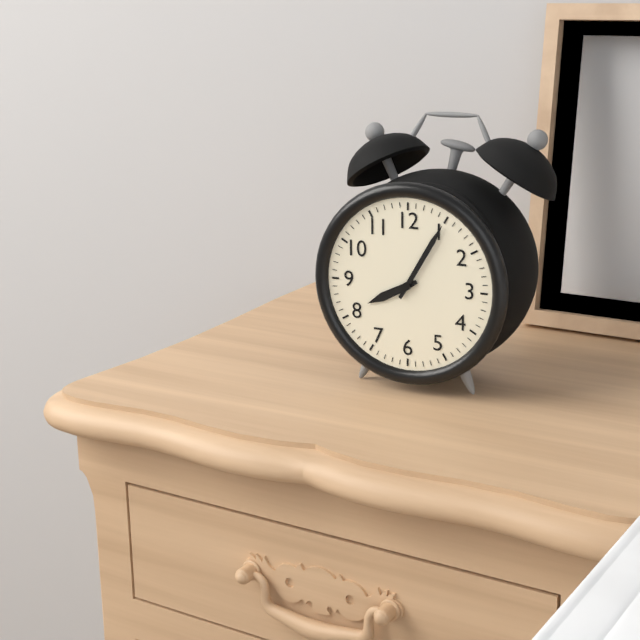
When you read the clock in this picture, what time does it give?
8:05
